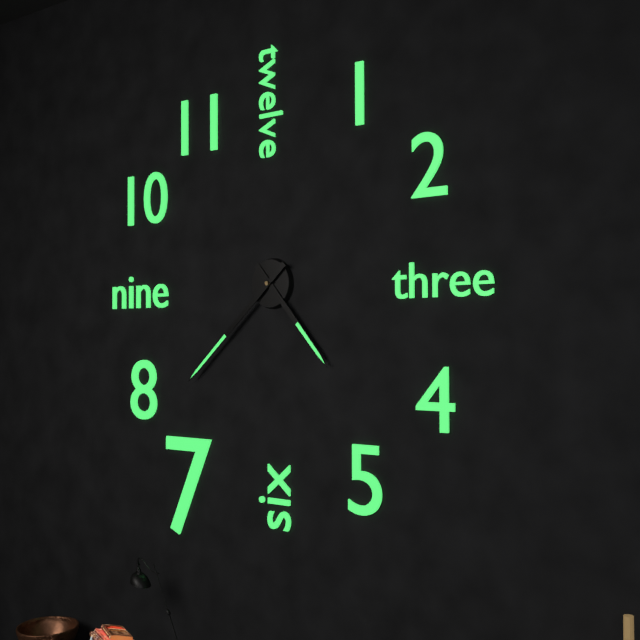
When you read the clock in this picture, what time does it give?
4:38
